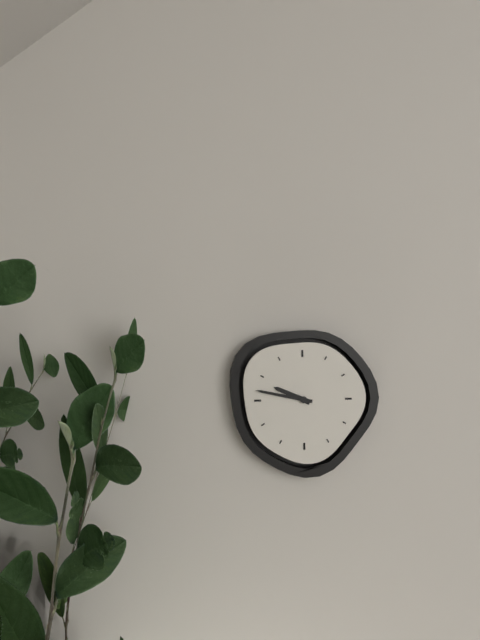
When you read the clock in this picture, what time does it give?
9:47
